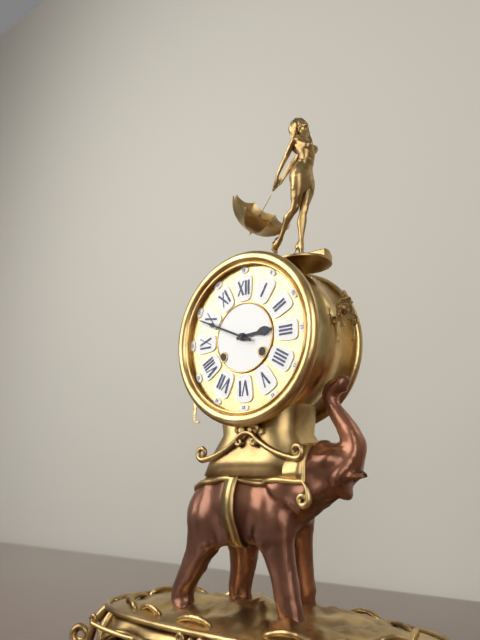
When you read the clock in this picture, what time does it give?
2:49
